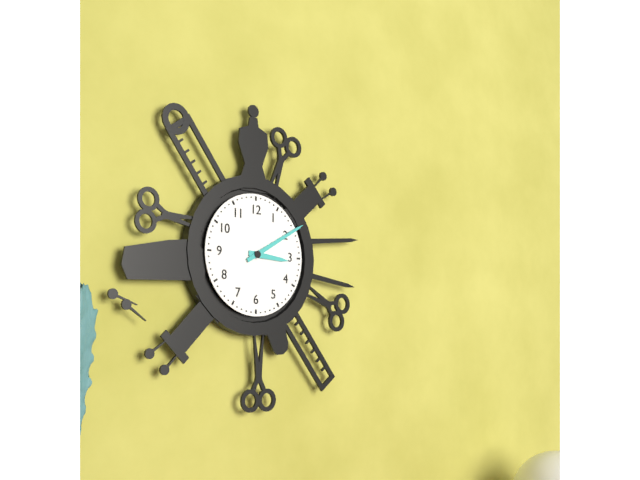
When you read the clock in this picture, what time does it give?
3:10
